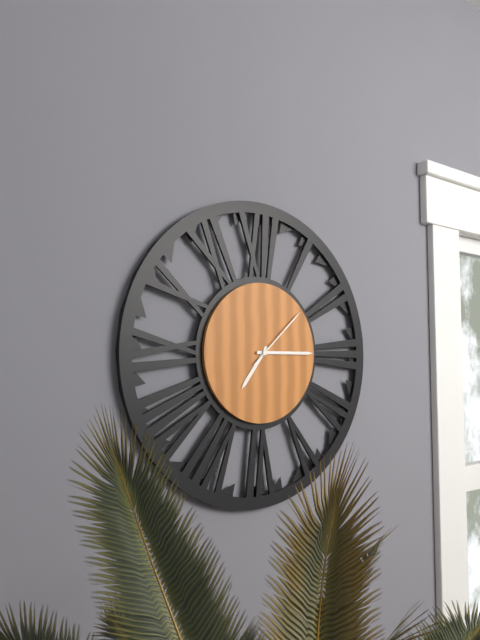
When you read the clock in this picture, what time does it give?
7:15:08
